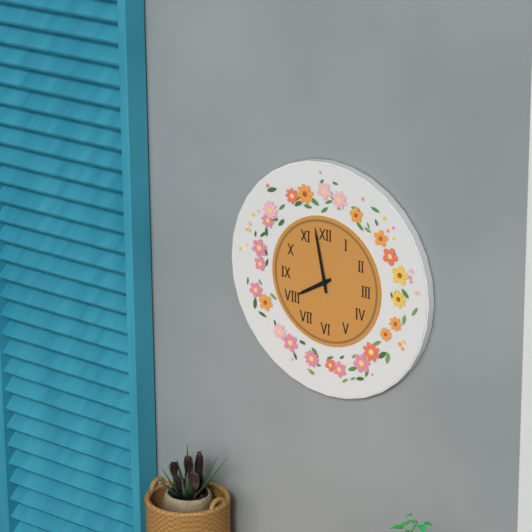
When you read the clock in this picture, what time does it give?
7:58
